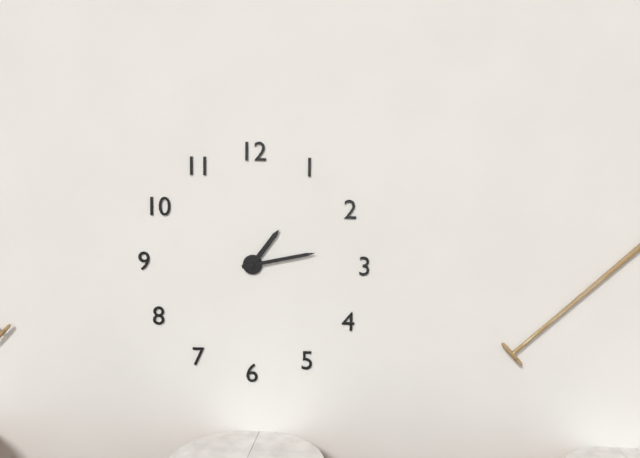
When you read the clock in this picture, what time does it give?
1:13
